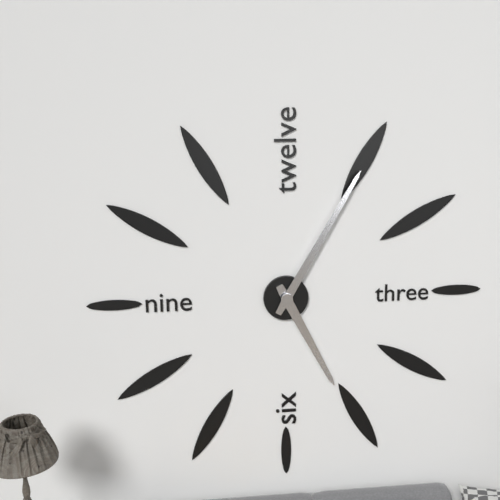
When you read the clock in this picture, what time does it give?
5:05
